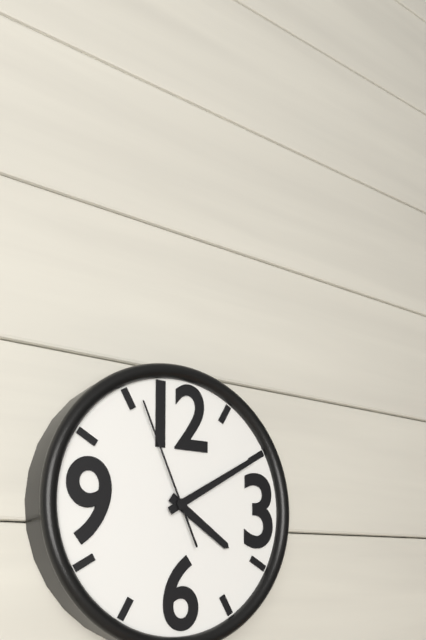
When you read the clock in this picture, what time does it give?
4:10:56
